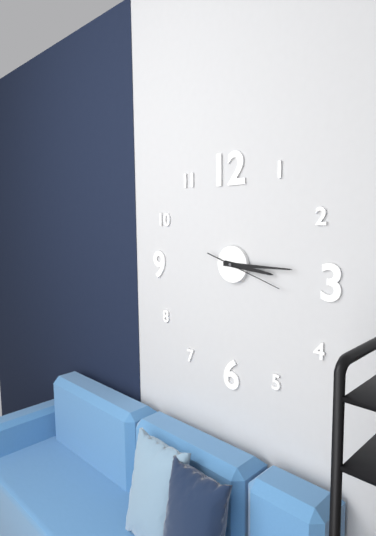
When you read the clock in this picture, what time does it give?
3:15:18
